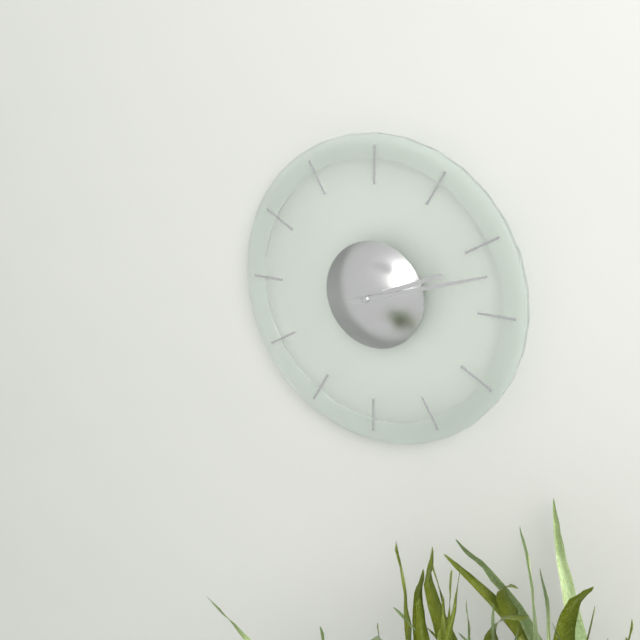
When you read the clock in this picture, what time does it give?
2:12
